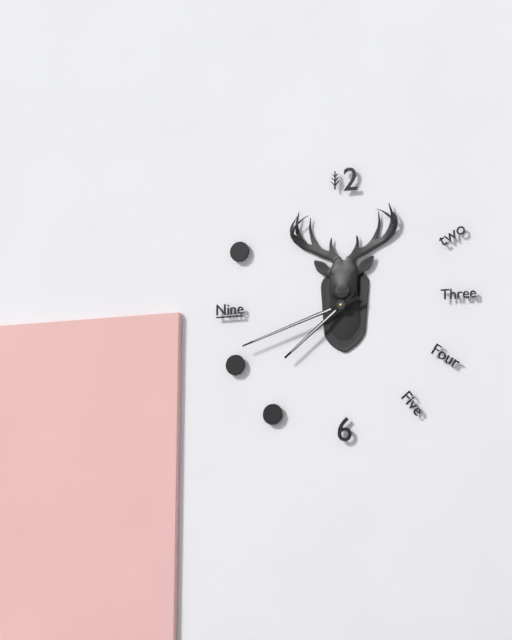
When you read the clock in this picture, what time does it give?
7:42
